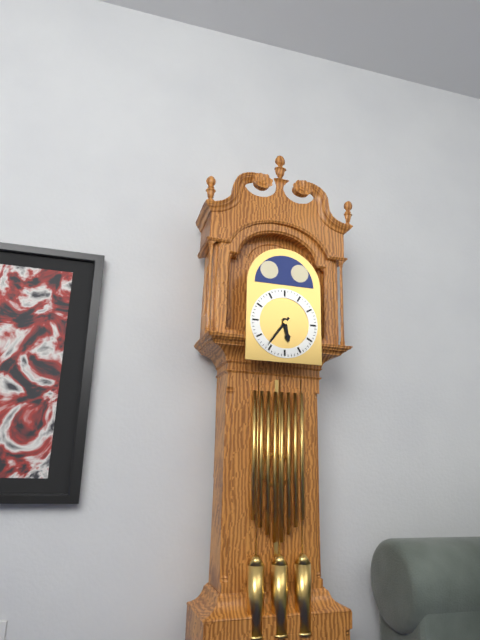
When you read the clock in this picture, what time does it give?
5:36
